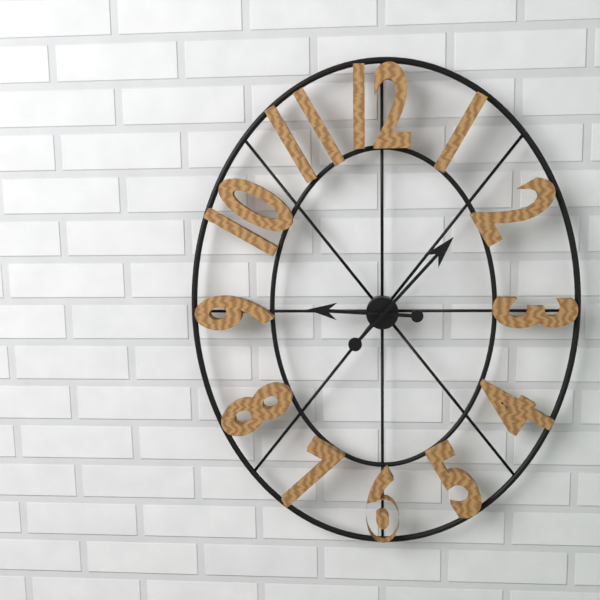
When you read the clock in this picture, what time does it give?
9:07
